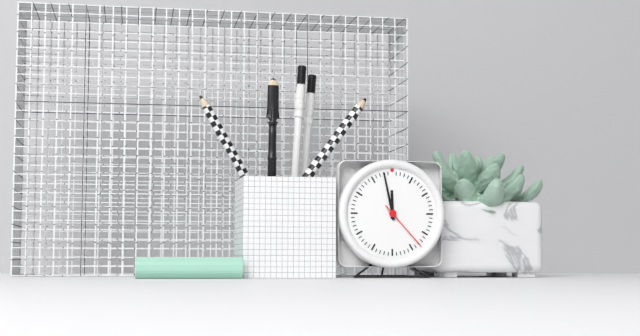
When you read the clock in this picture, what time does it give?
11:58:23
